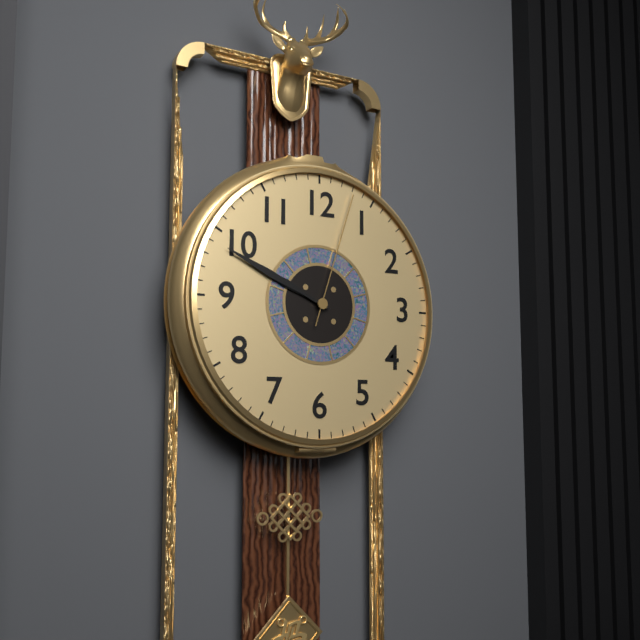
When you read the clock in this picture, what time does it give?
9:49:03
